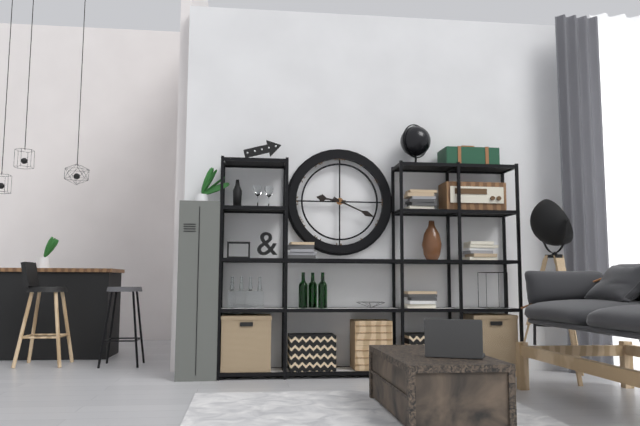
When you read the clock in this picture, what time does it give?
9:19
